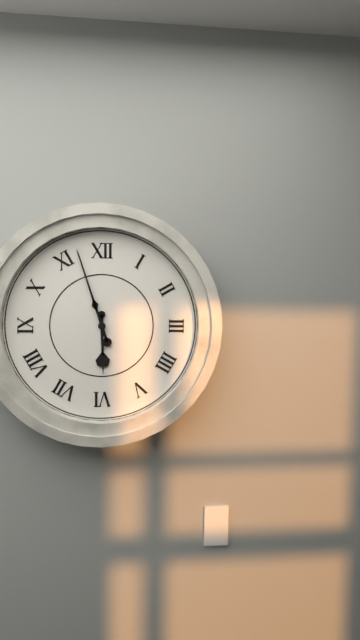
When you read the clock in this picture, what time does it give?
5:57
